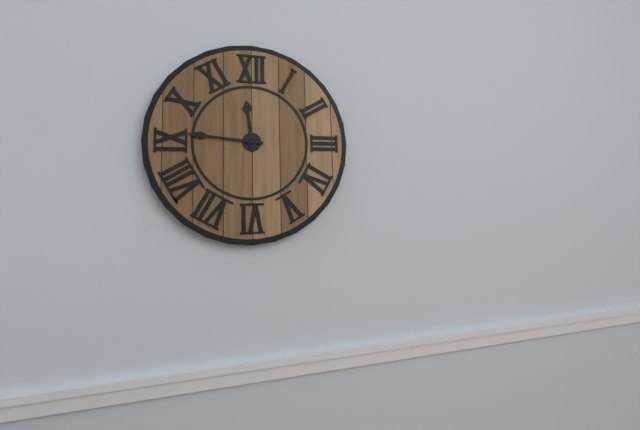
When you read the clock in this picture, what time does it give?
11:46
